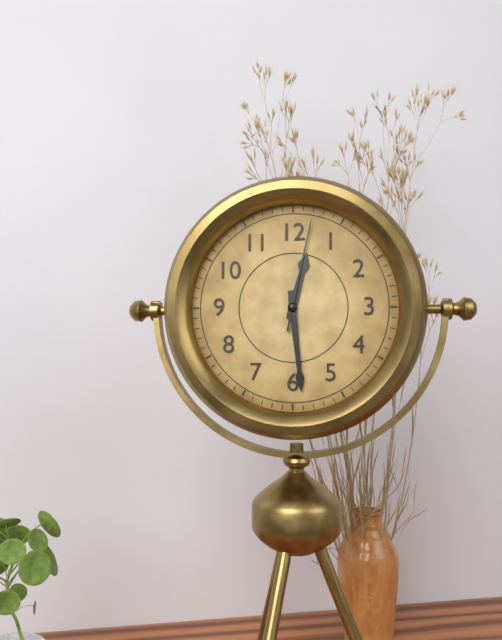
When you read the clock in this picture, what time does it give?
12:29:02
